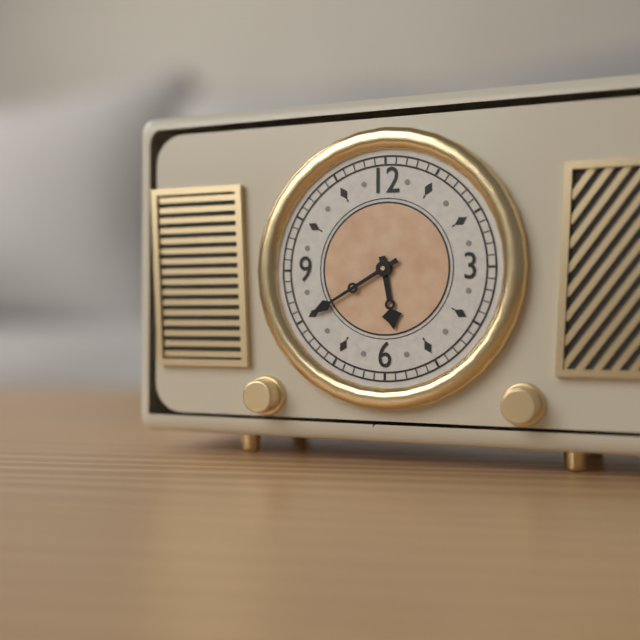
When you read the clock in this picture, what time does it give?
5:40
